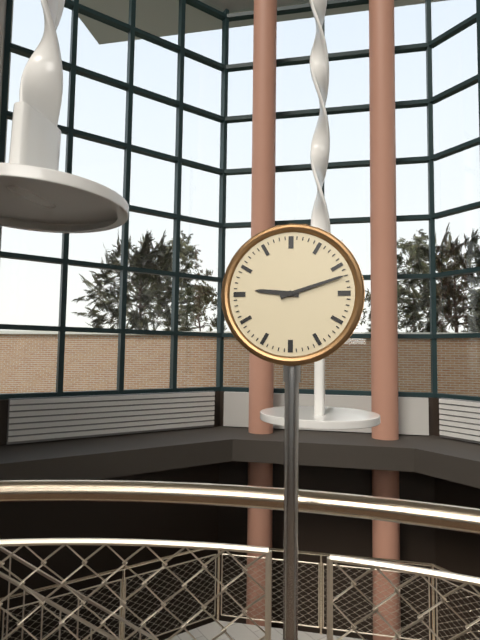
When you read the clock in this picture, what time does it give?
9:12
